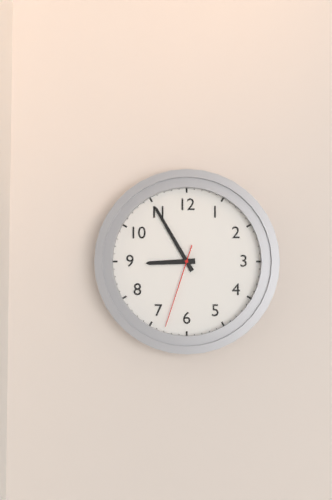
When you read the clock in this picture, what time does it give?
8:55:33
